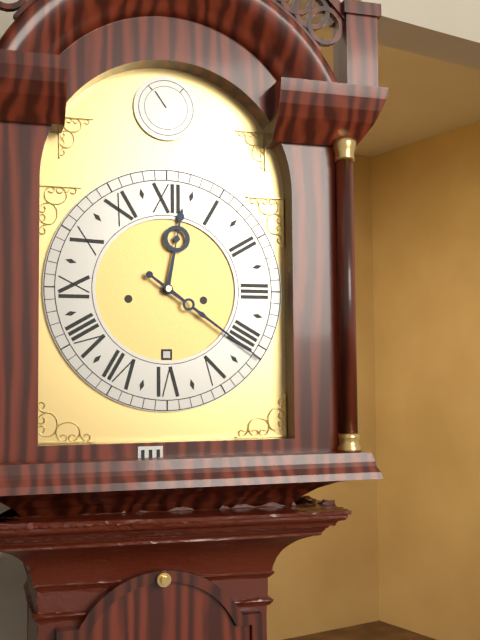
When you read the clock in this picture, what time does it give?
12:21
